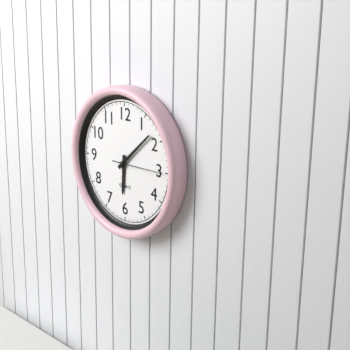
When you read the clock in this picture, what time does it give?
6:08
